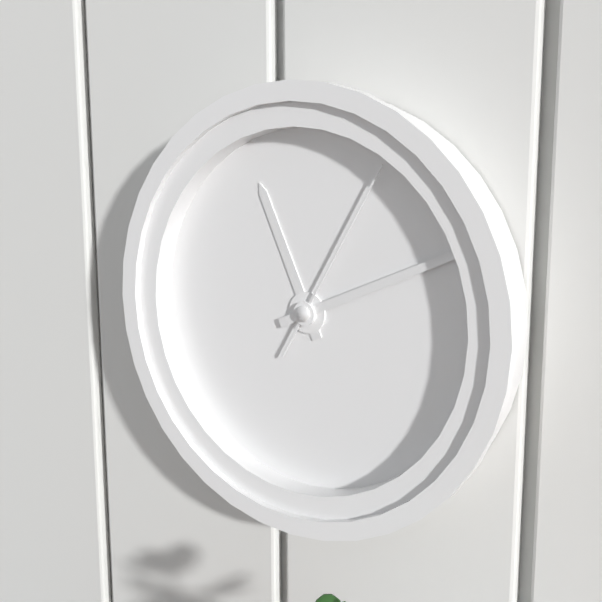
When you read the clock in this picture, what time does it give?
11:11:05
